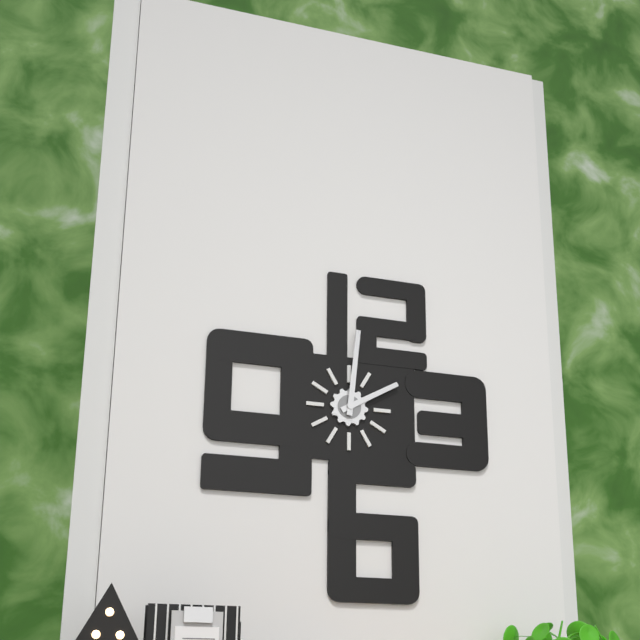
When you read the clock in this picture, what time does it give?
2:01
